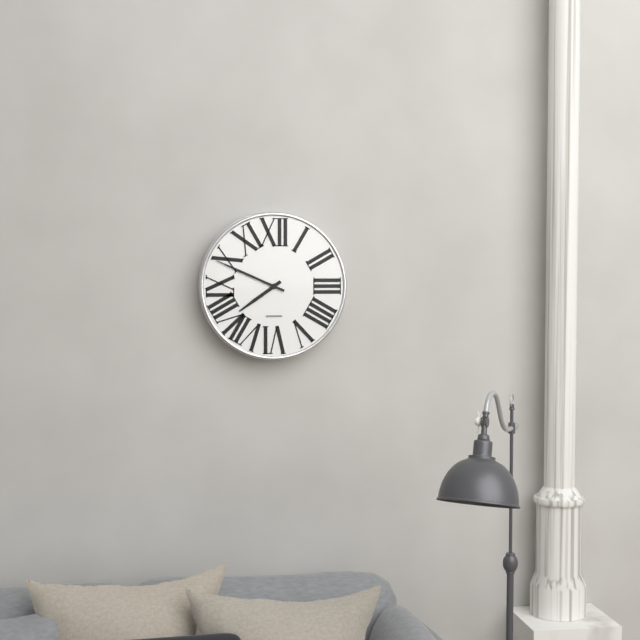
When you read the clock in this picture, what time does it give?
7:49
